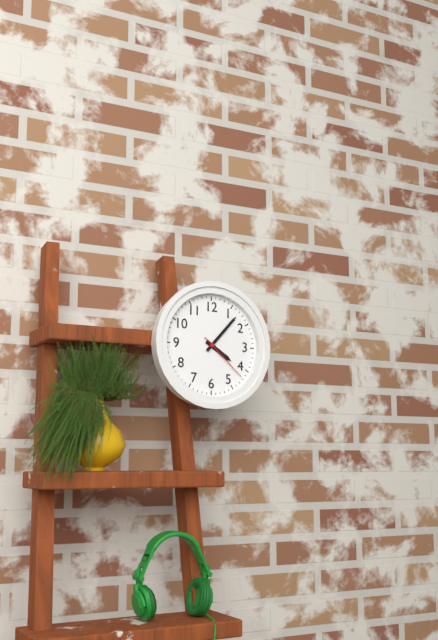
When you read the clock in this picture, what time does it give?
4:07:22
